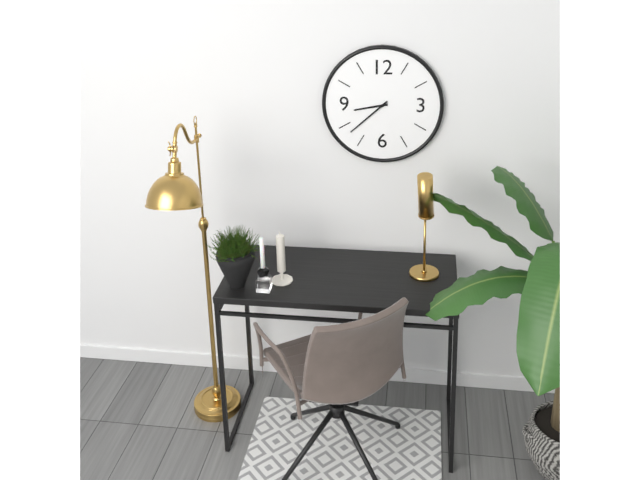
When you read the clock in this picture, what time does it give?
8:38
